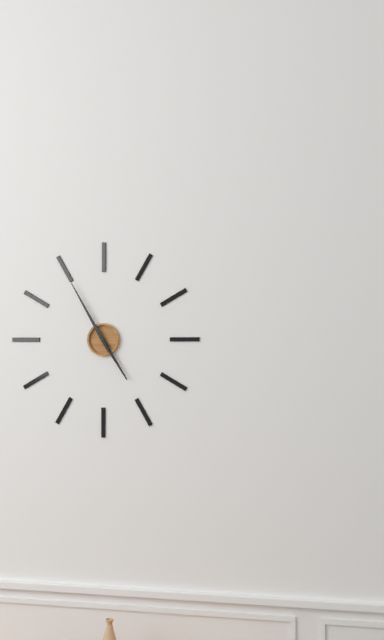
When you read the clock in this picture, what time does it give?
4:55
